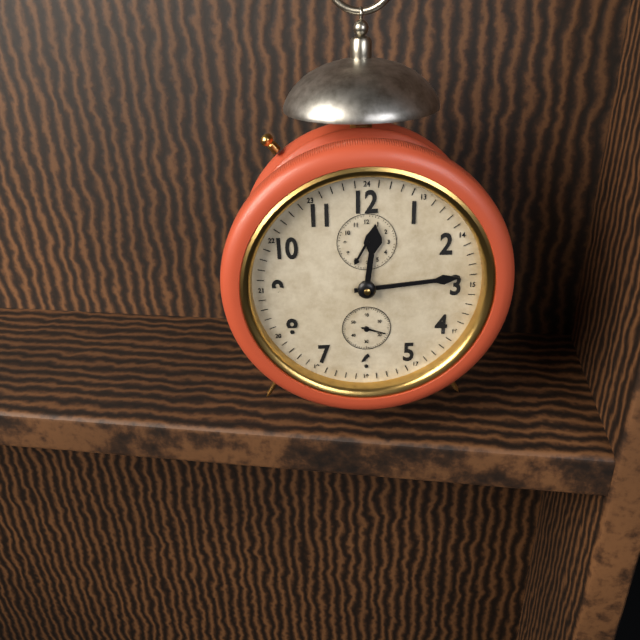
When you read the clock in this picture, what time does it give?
12:14
